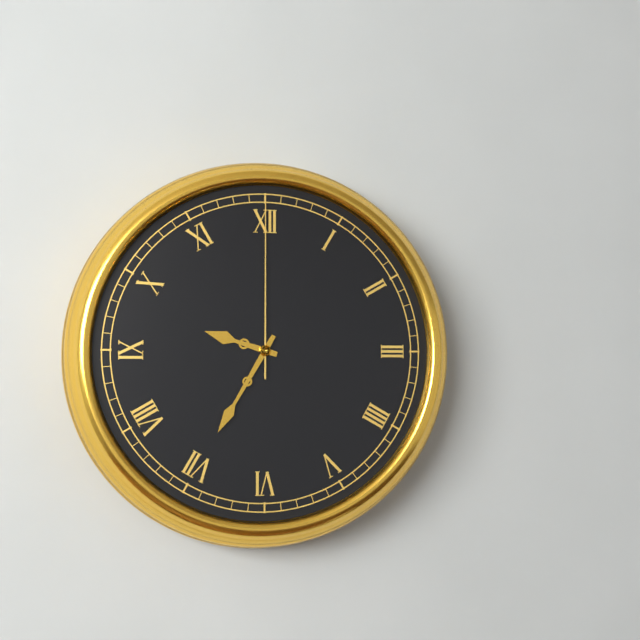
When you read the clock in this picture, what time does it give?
9:35:00
